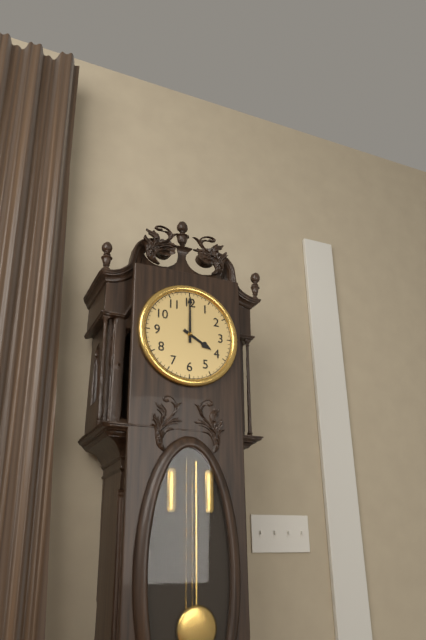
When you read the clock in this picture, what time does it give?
4:00
